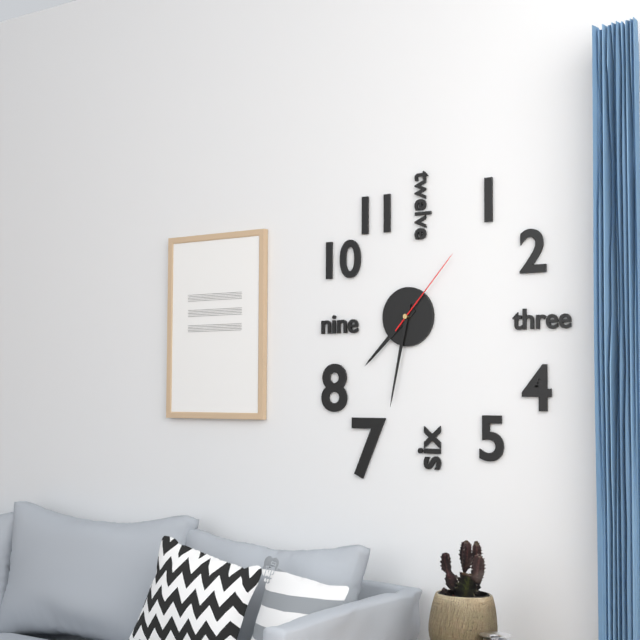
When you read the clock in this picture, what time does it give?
7:32:07
